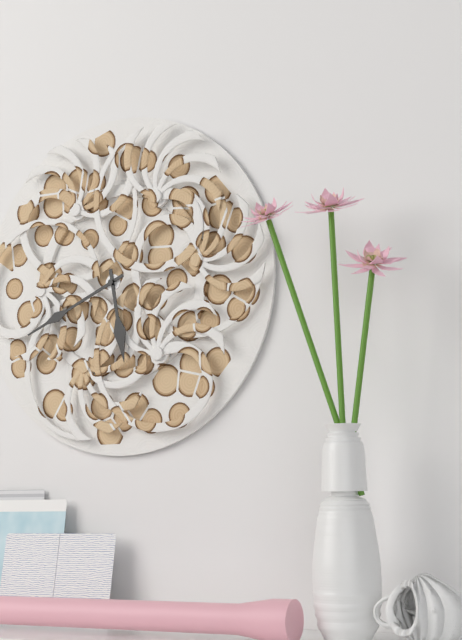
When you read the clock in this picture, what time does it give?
5:41
